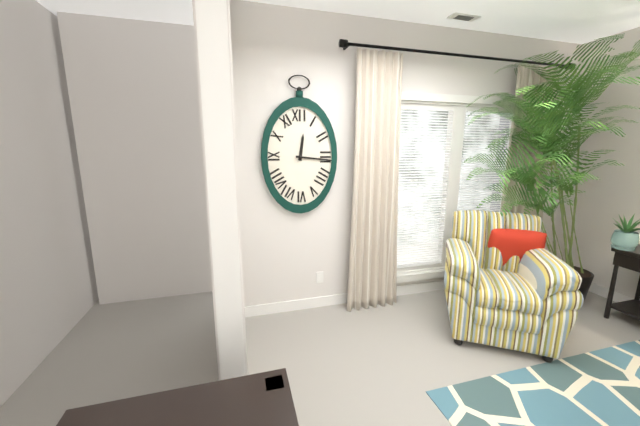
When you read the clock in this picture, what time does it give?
12:16
